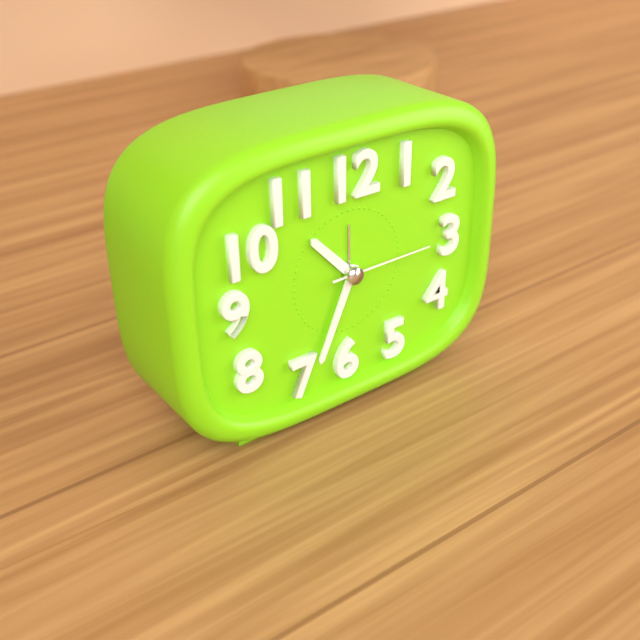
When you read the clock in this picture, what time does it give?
10:34:15
